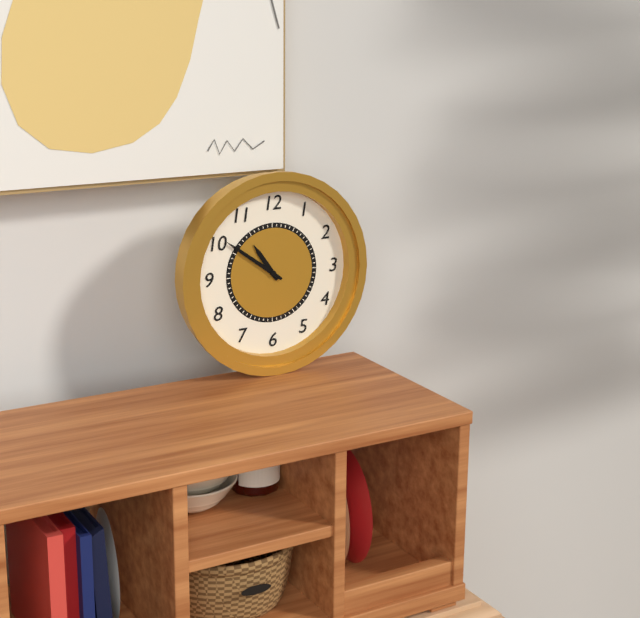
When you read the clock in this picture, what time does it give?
10:51
